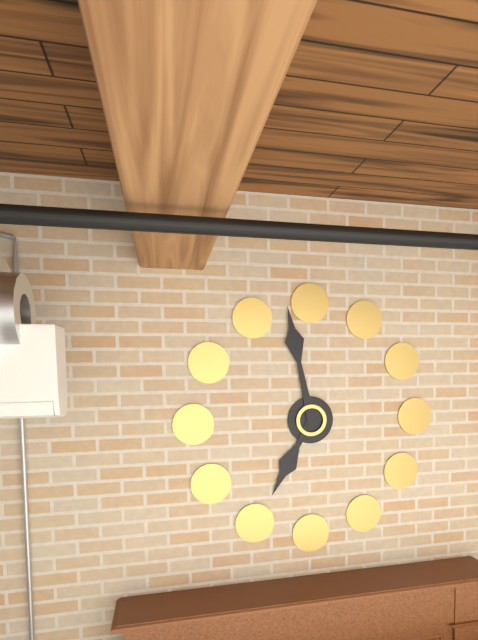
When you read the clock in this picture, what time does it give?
6:58
